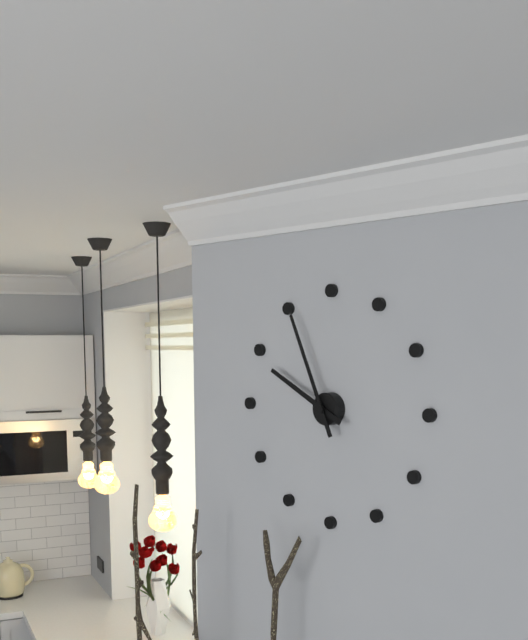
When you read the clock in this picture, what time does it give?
9:56
